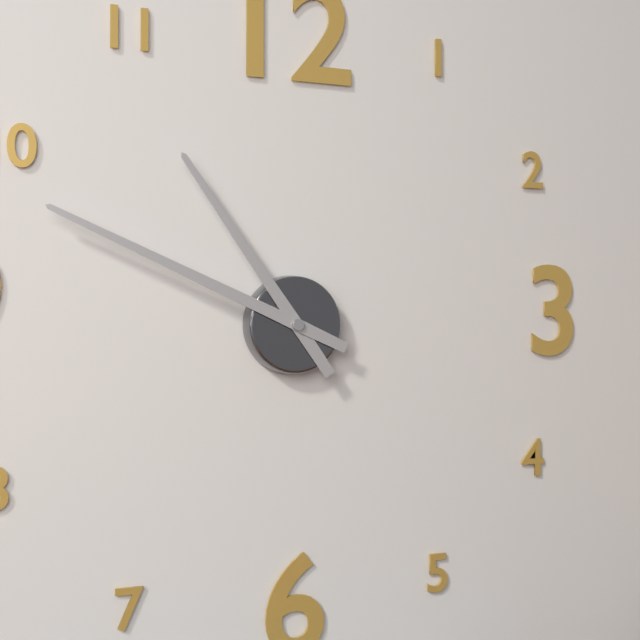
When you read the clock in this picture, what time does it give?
10:49
